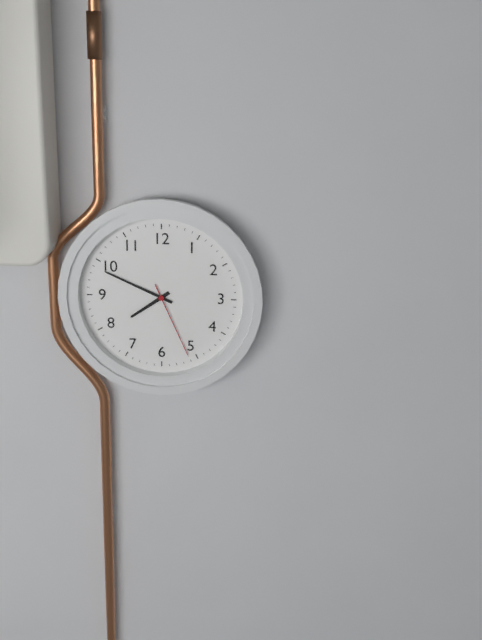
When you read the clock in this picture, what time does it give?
7:49:26
